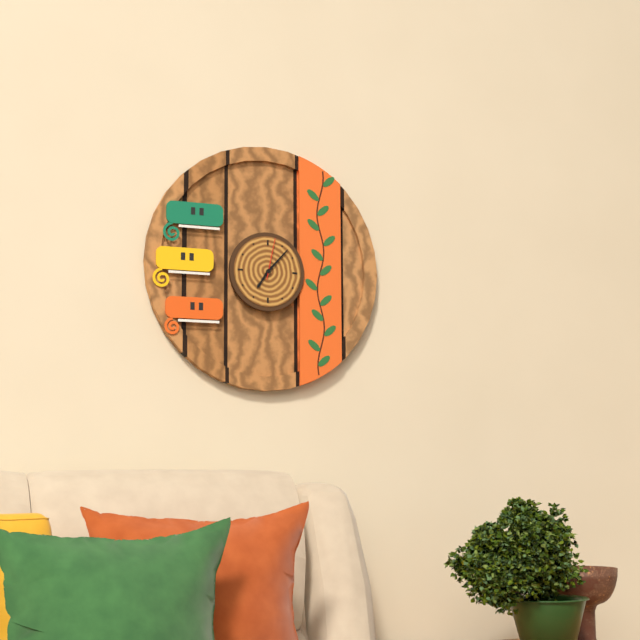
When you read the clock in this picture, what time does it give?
7:07
